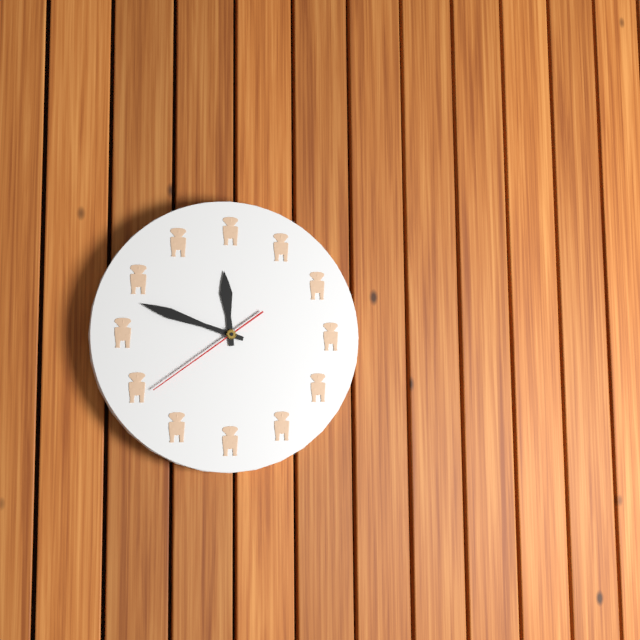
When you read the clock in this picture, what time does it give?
11:48:39
